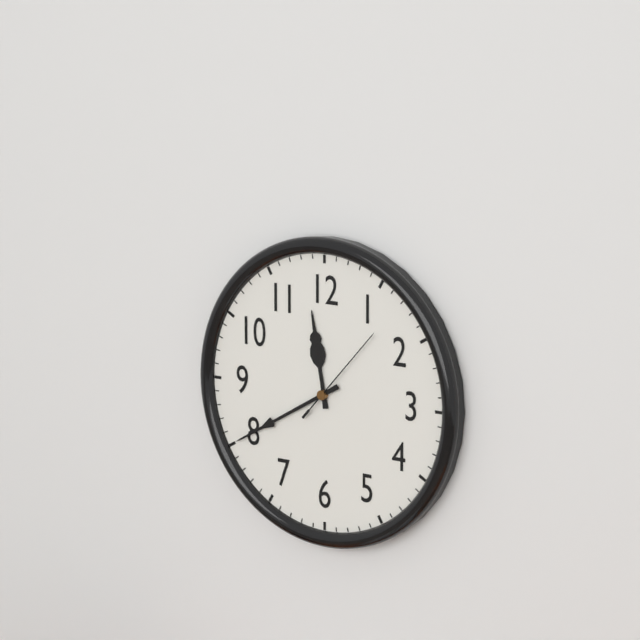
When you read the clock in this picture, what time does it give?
11:40:07
